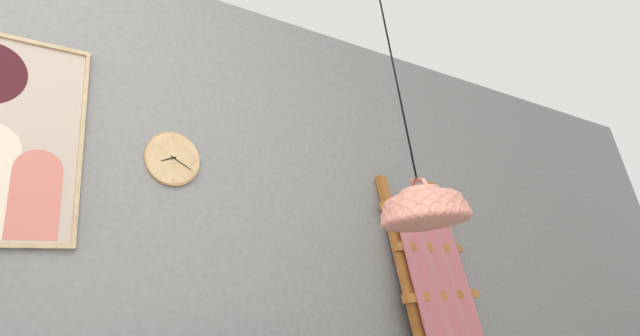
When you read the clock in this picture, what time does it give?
8:20
